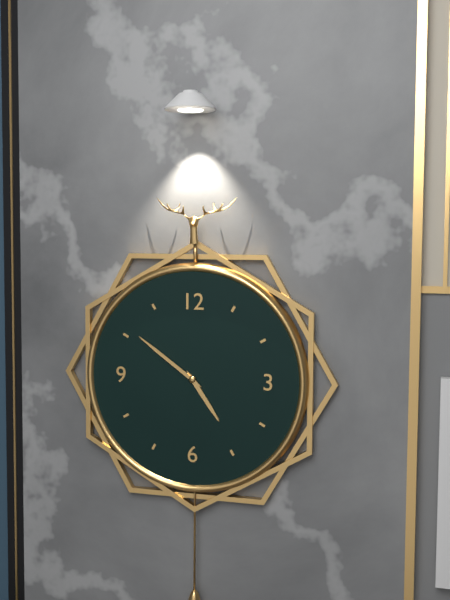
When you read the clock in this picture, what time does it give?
4:51
